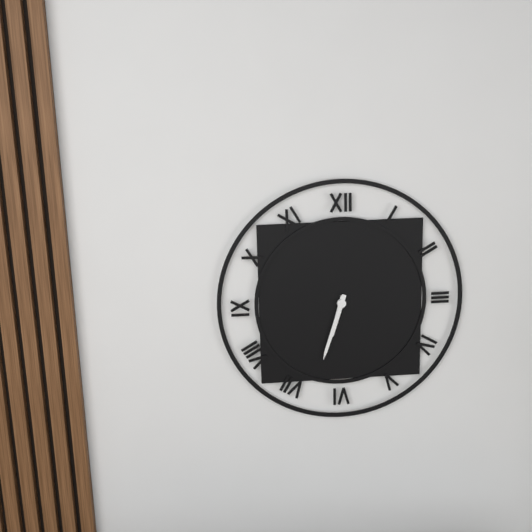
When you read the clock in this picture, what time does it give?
6:33
